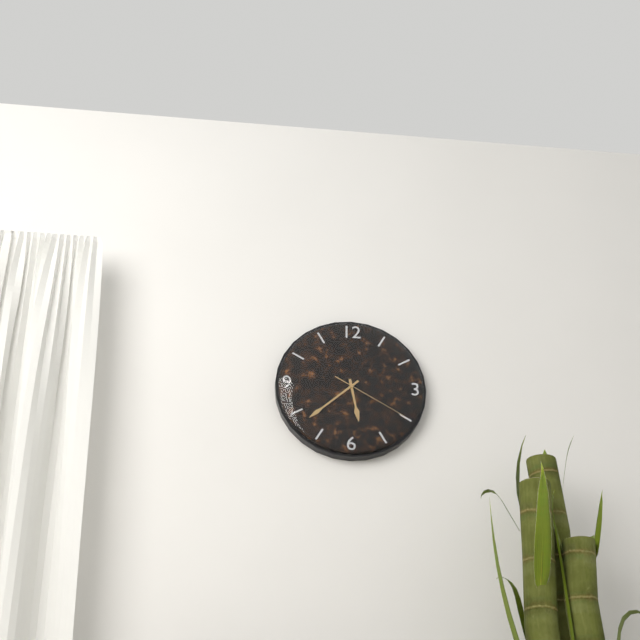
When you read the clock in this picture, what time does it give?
5:38:20
